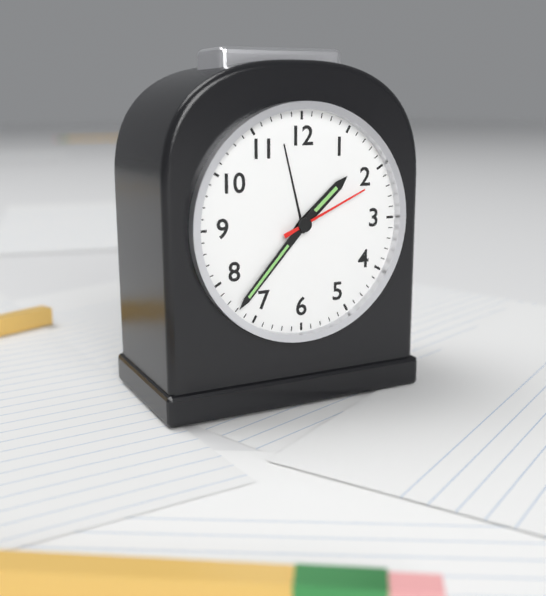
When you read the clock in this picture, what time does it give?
1:37:11
